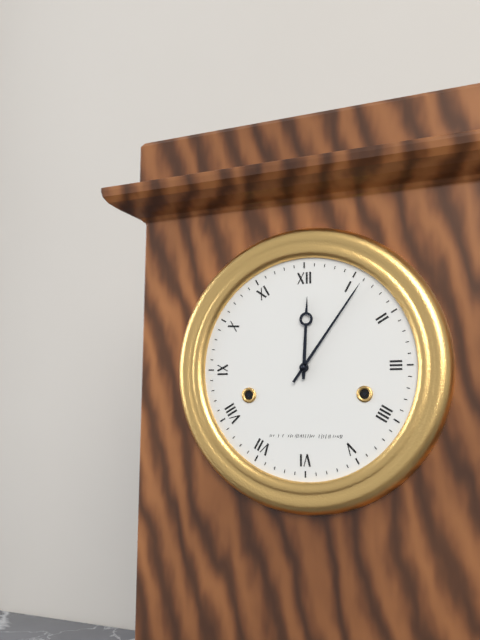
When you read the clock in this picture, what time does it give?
12:06
